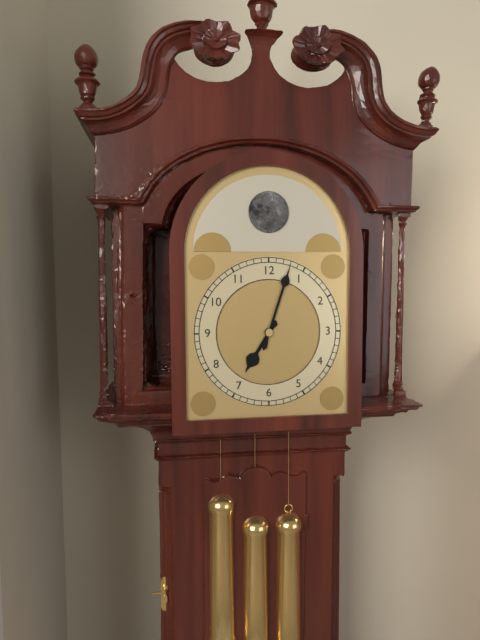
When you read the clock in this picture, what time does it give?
7:03
